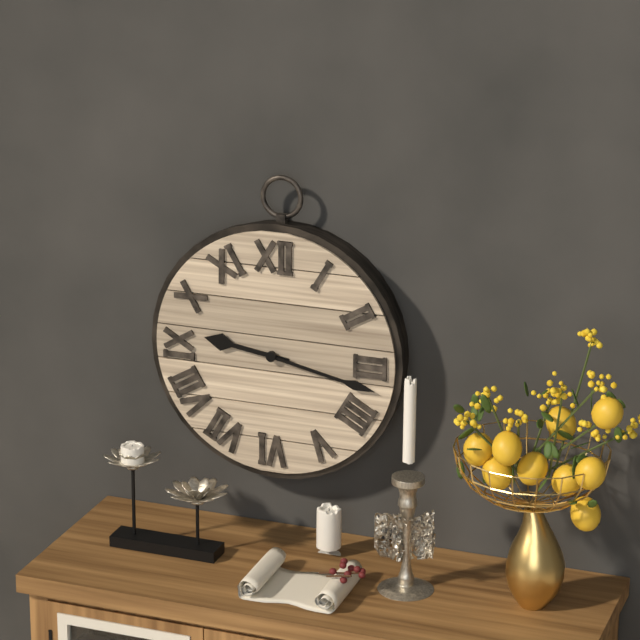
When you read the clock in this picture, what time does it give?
9:17
